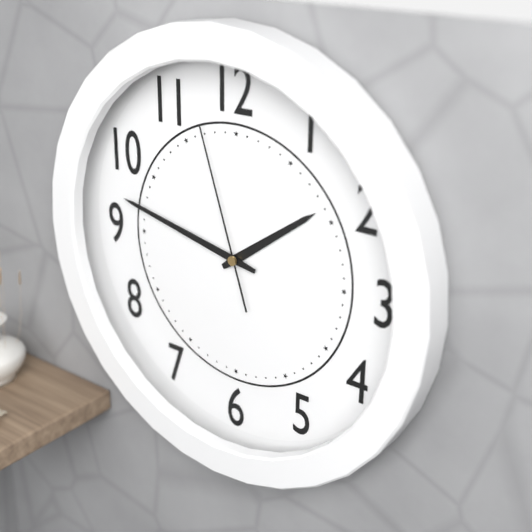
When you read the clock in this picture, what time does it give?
1:47:57
